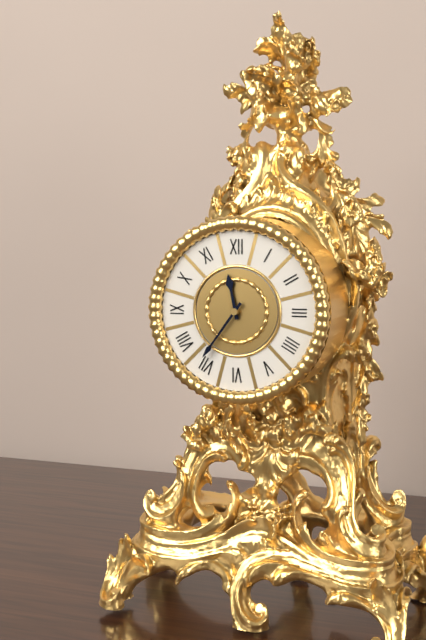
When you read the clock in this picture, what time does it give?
11:36
